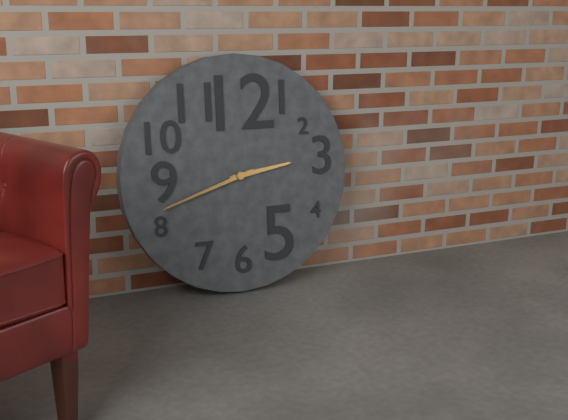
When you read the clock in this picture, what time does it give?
2:42
